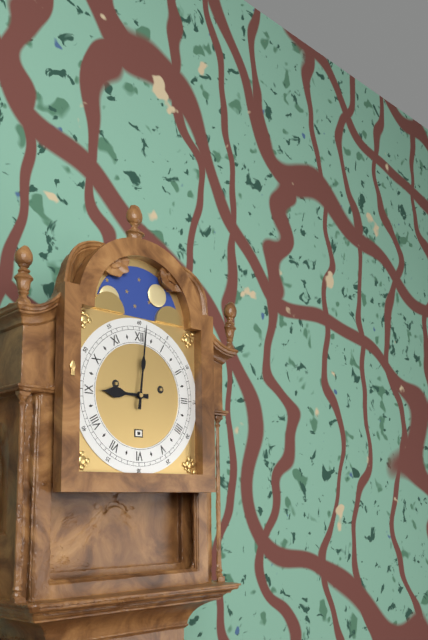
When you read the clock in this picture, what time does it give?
9:01
